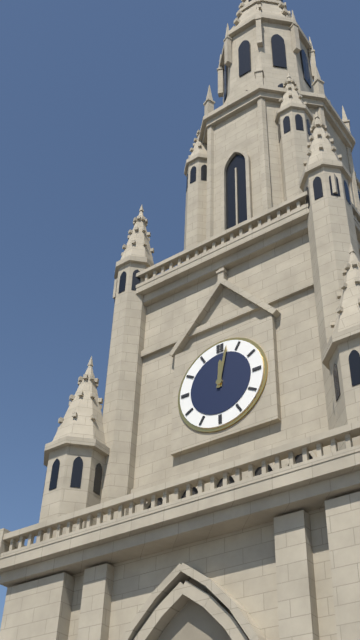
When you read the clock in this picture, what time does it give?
12:02
